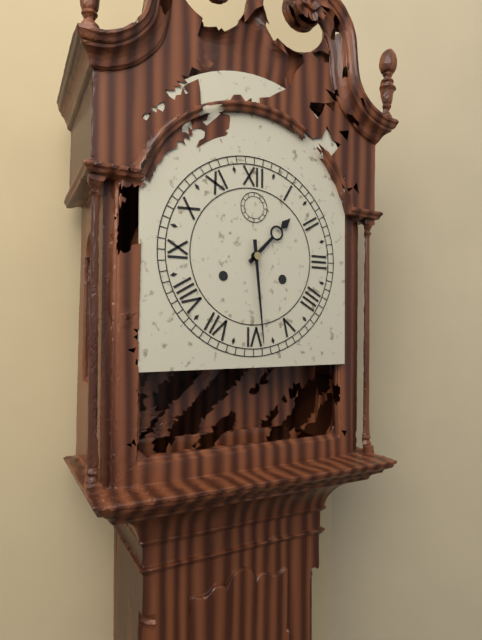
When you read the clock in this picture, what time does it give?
1:29
